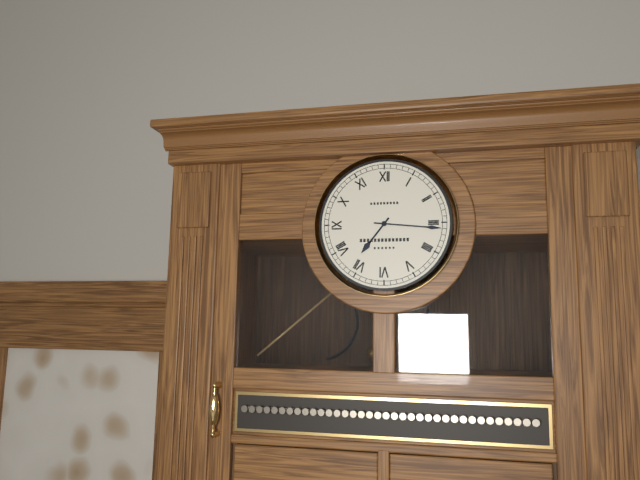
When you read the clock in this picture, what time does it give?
7:16
